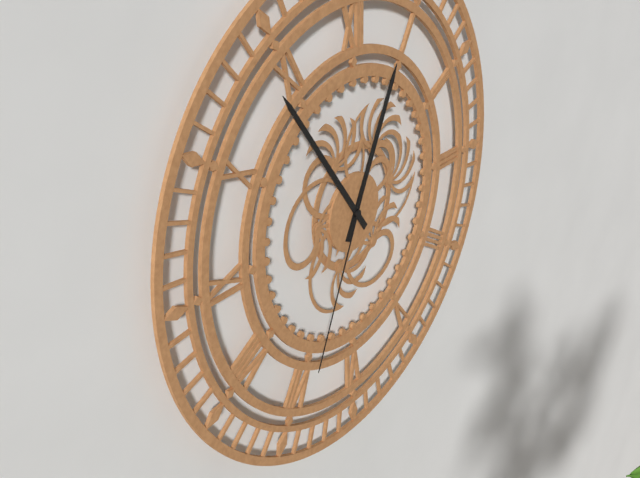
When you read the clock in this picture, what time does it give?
12:54:34
